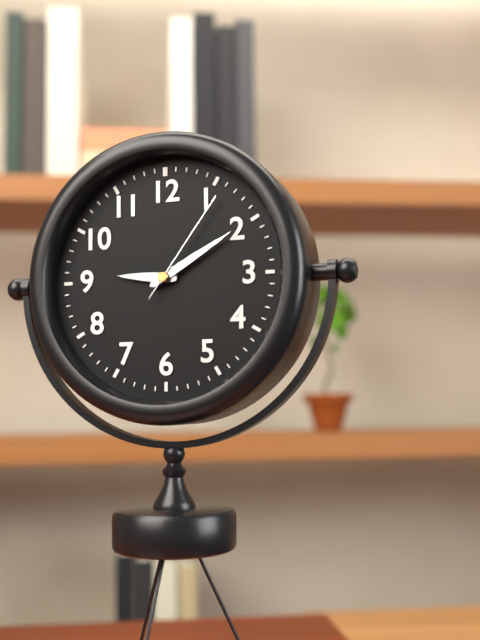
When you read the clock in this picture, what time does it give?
9:10:06
